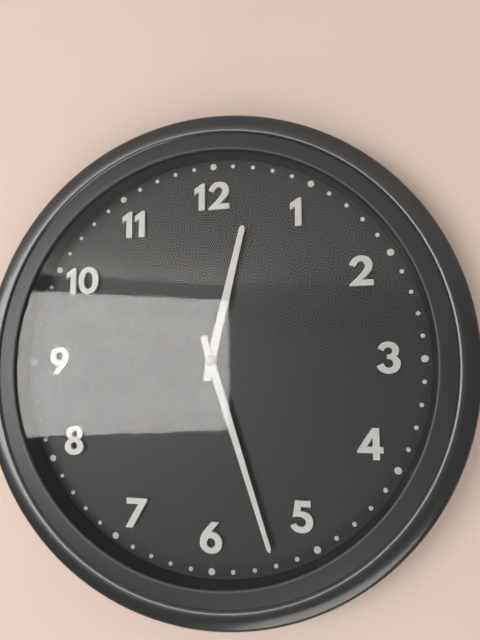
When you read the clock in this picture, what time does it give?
12:27
